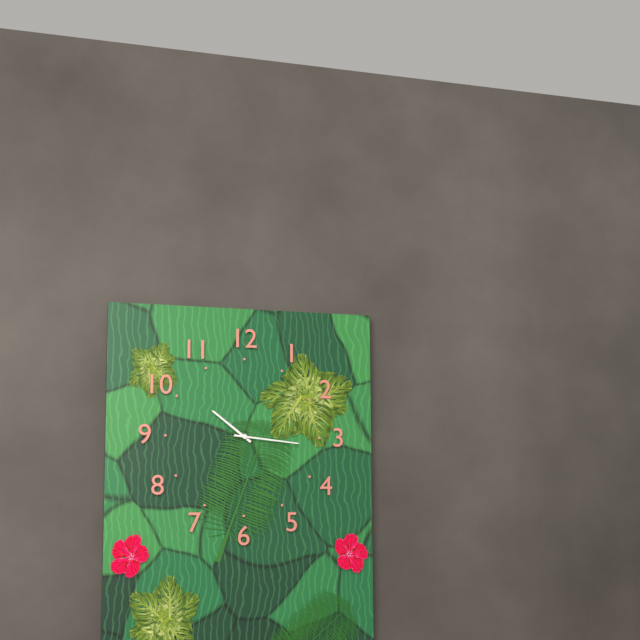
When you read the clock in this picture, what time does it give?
10:16
